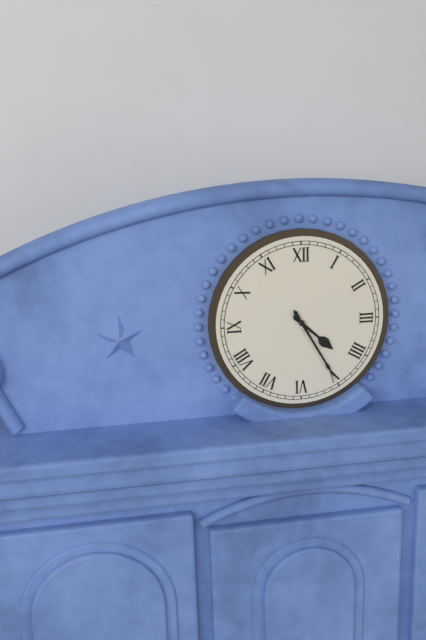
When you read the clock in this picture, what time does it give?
4:25
